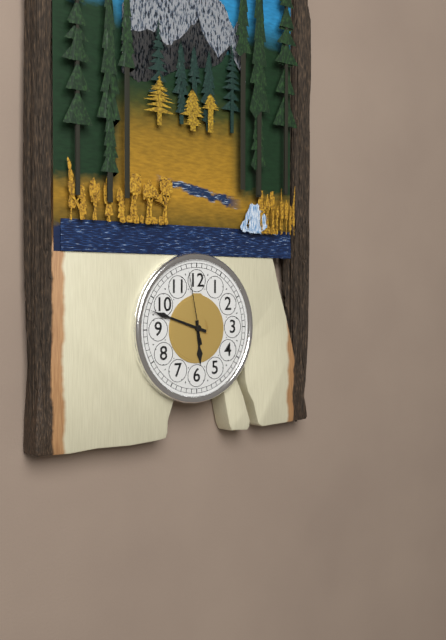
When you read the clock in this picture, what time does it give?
5:48:58
